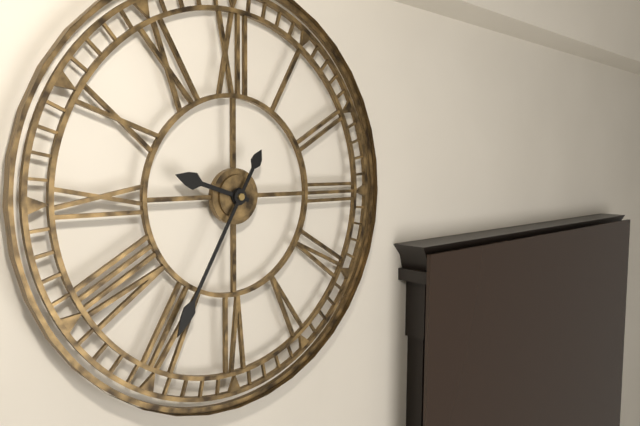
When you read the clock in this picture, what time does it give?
9:35
